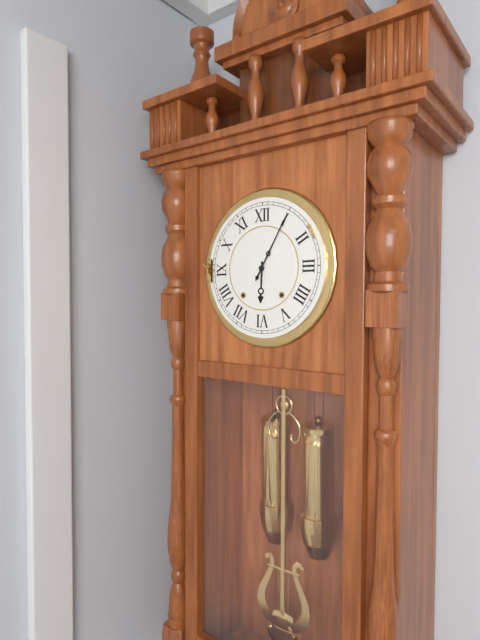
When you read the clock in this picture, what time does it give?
6:05
